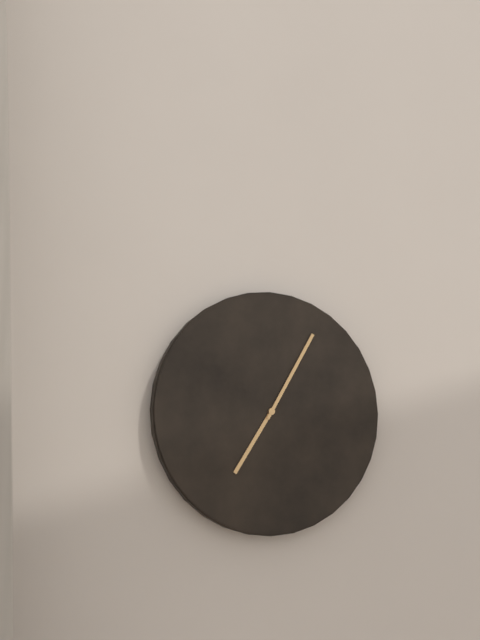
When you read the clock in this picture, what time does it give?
7:05
